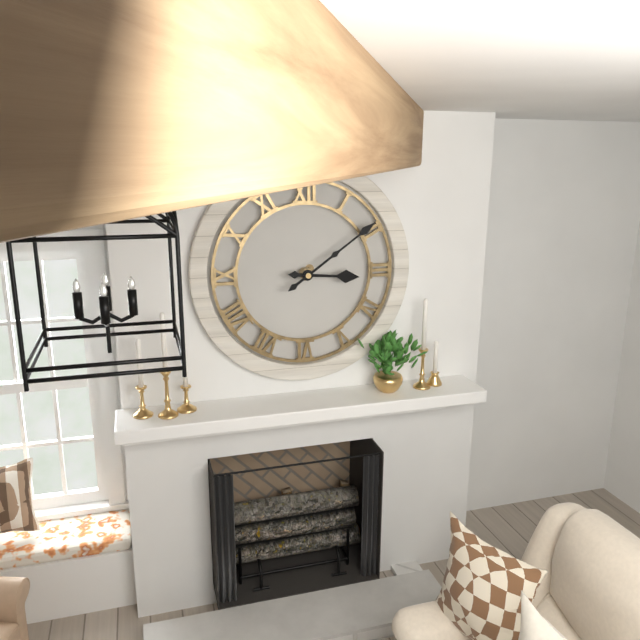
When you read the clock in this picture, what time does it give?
3:09
